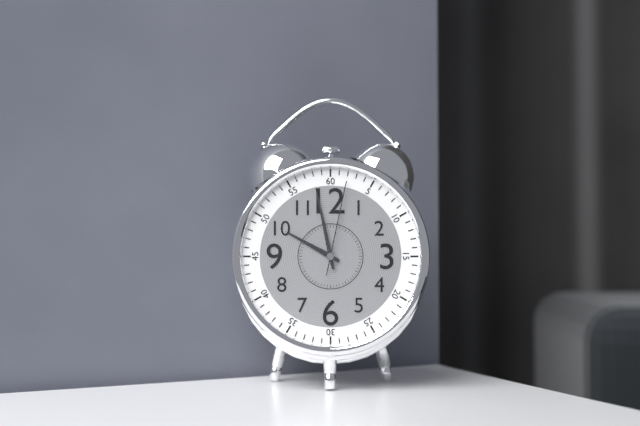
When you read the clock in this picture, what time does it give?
9:58:02
